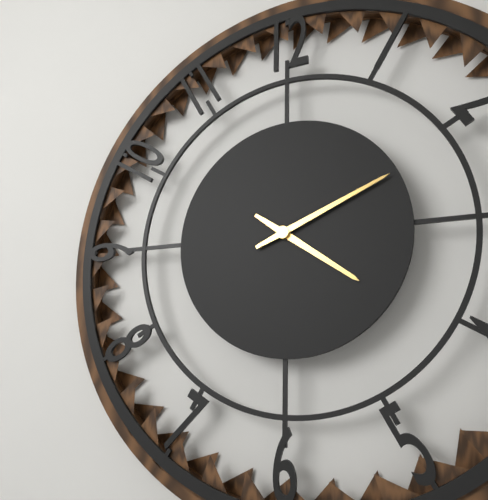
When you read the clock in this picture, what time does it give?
4:11
